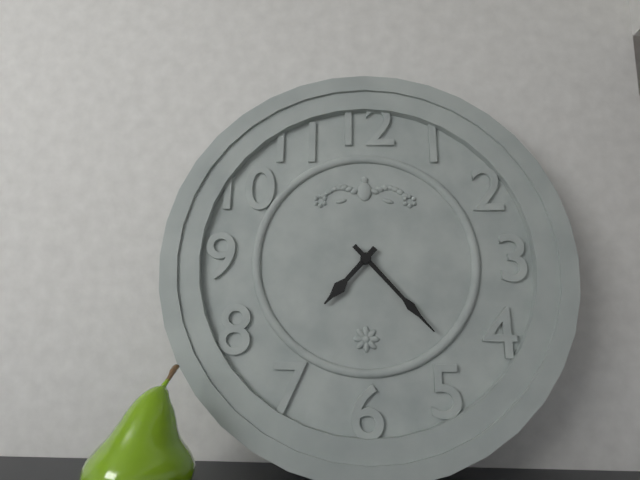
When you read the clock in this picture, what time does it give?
7:23
